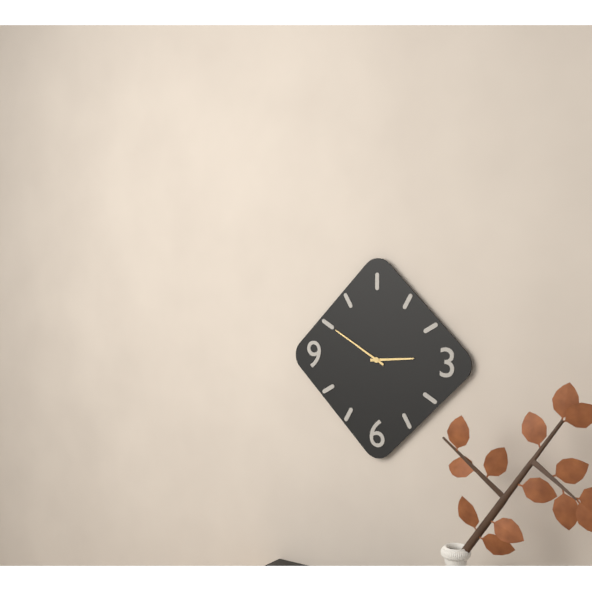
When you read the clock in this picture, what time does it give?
2:50
